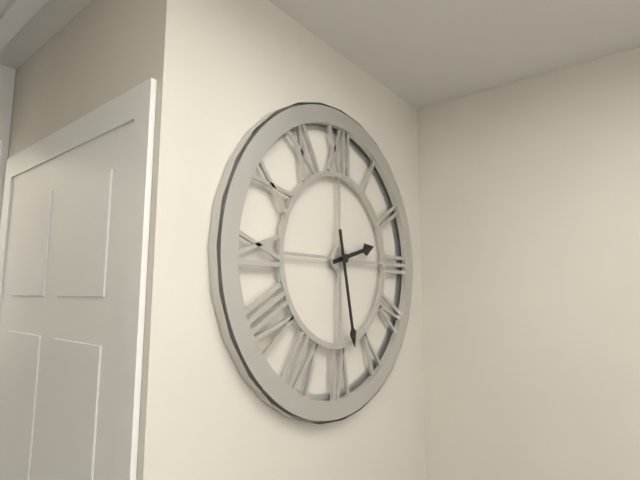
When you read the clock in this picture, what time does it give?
2:28
